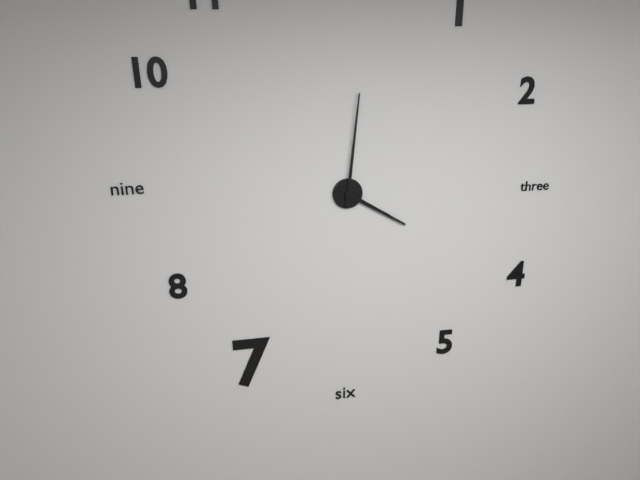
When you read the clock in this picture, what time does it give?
4:01
